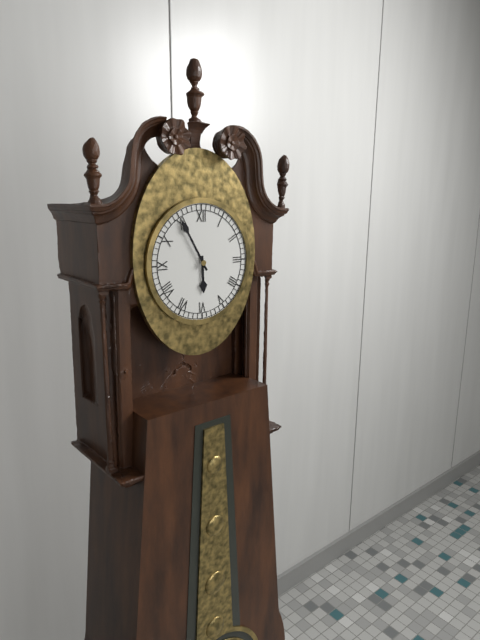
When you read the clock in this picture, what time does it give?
5:55
